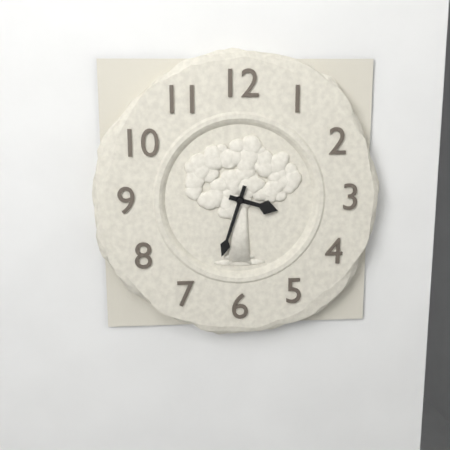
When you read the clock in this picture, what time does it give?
3:33
